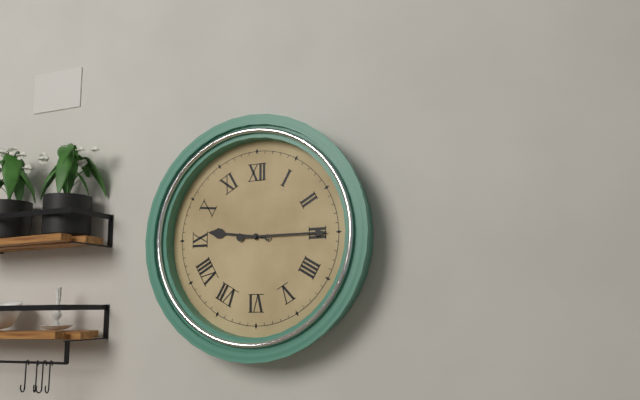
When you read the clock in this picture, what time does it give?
9:15
